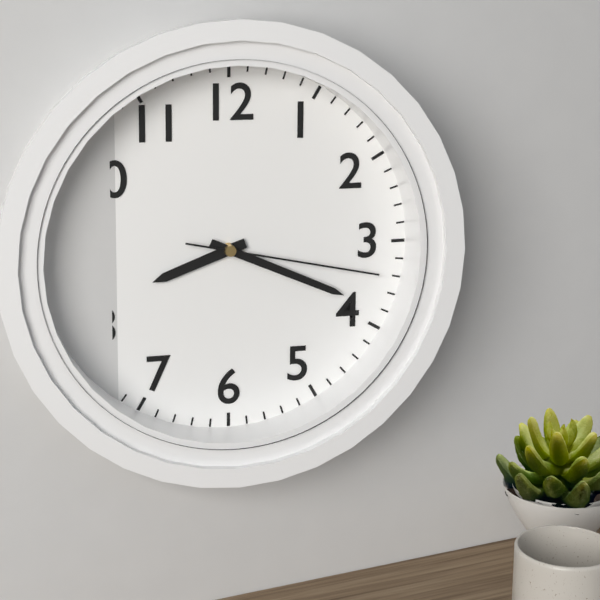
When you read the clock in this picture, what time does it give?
8:19:17
